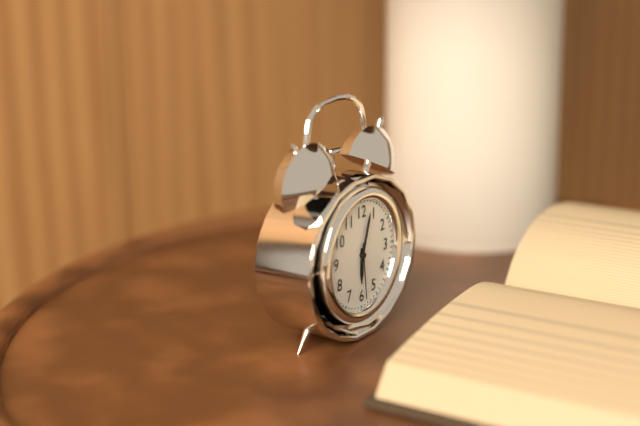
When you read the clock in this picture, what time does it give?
6:03:29
